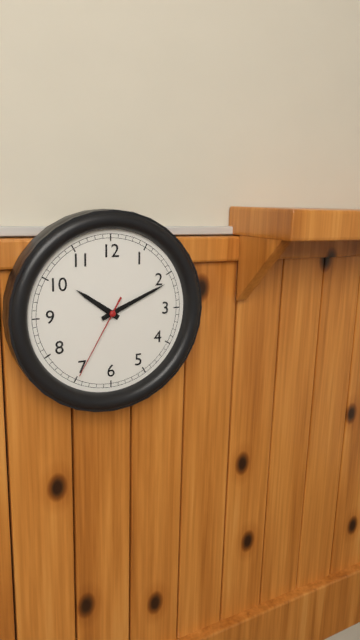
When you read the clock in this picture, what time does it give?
10:11:35
